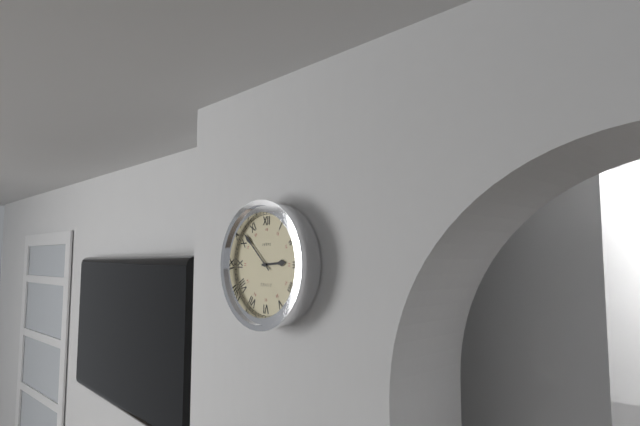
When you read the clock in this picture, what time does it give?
2:52
